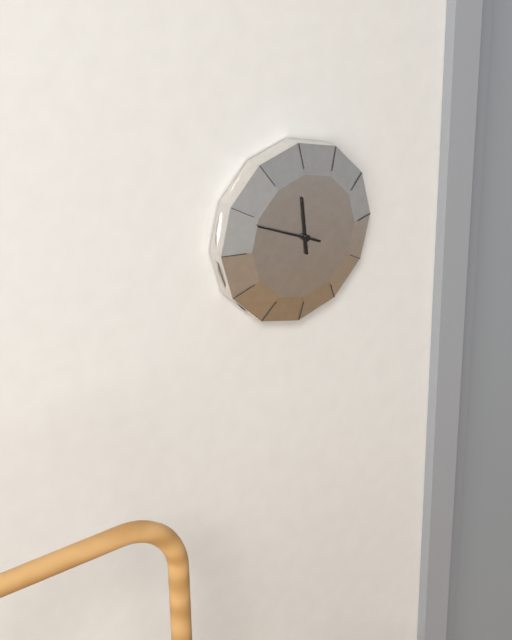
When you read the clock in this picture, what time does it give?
11:49
